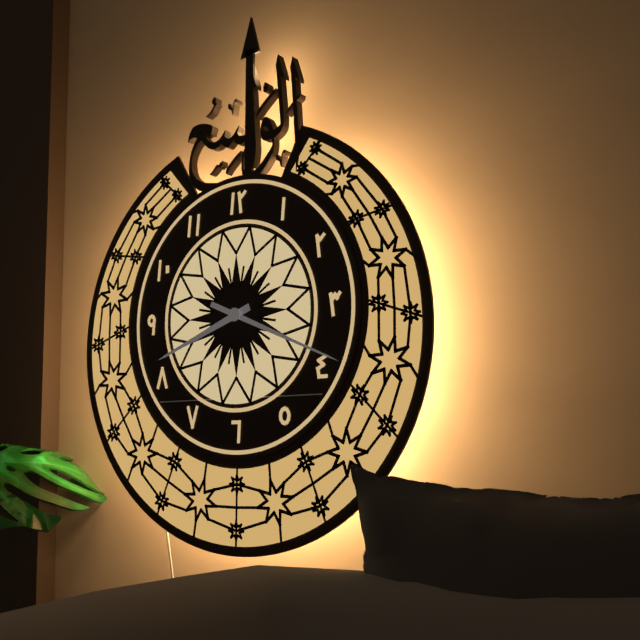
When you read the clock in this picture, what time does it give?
8:19
